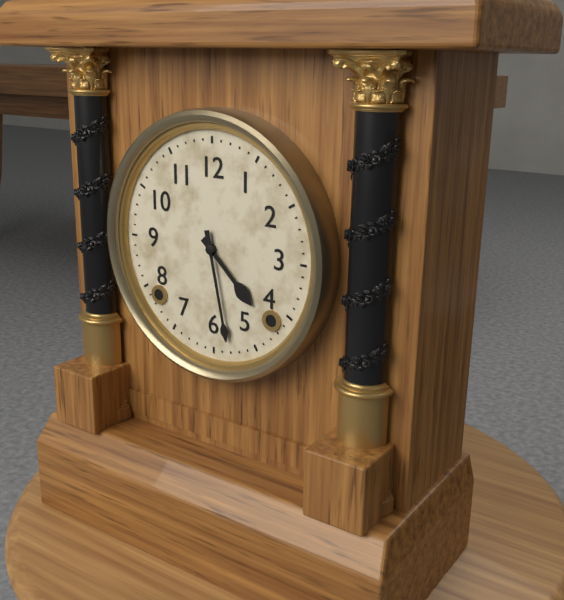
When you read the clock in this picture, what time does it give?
4:28
